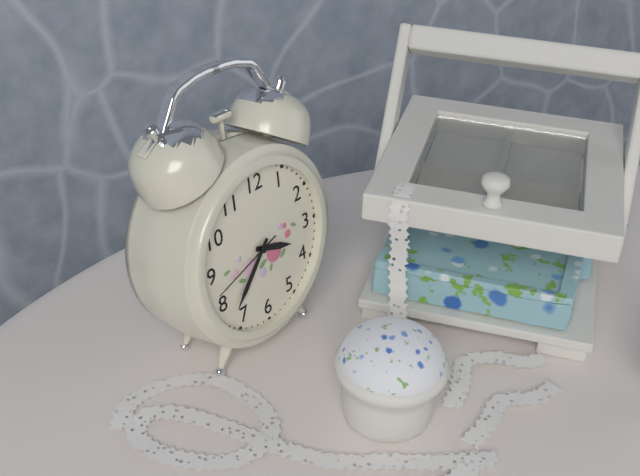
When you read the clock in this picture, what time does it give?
3:37:42
